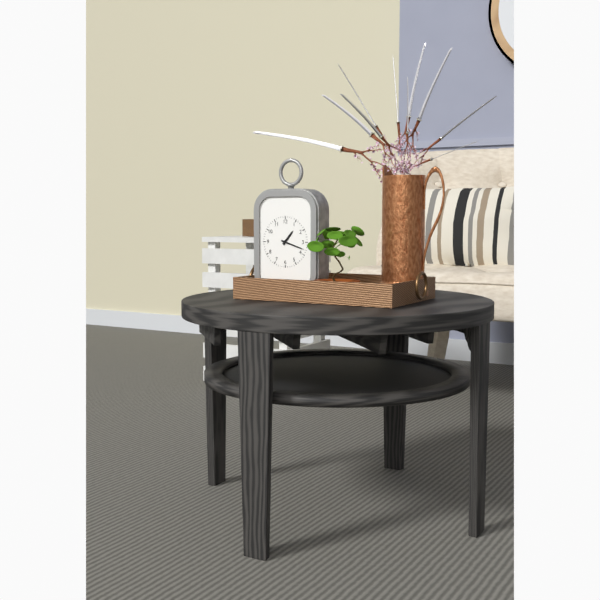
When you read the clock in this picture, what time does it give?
1:18
